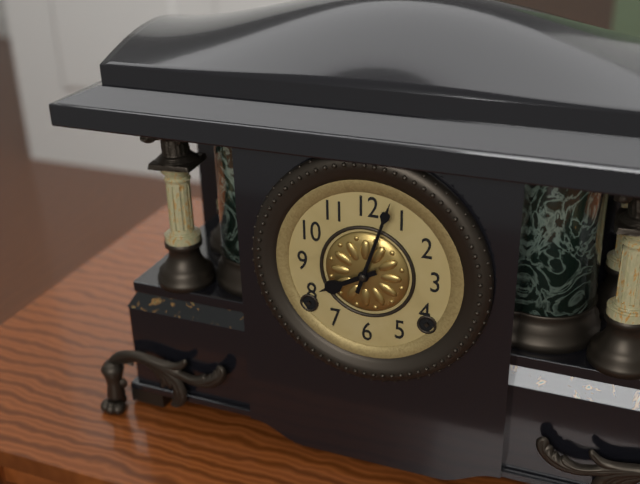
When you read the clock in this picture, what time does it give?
8:03
